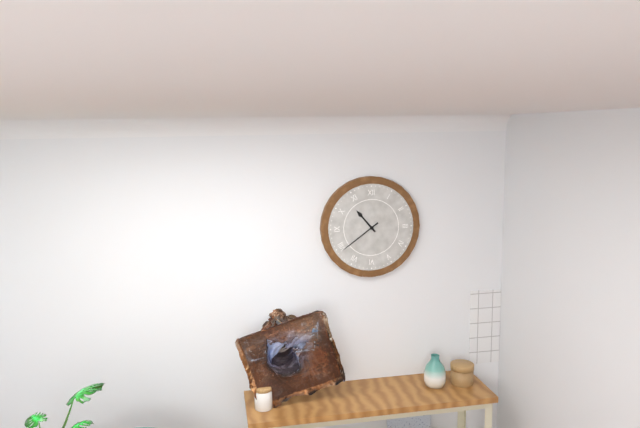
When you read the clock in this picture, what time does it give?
10:39
